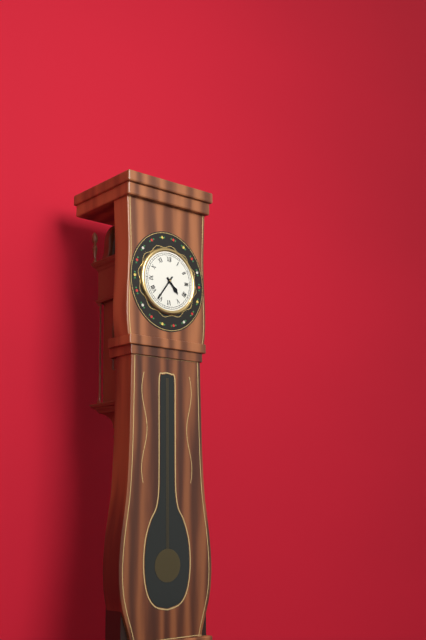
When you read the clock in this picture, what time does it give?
4:36
